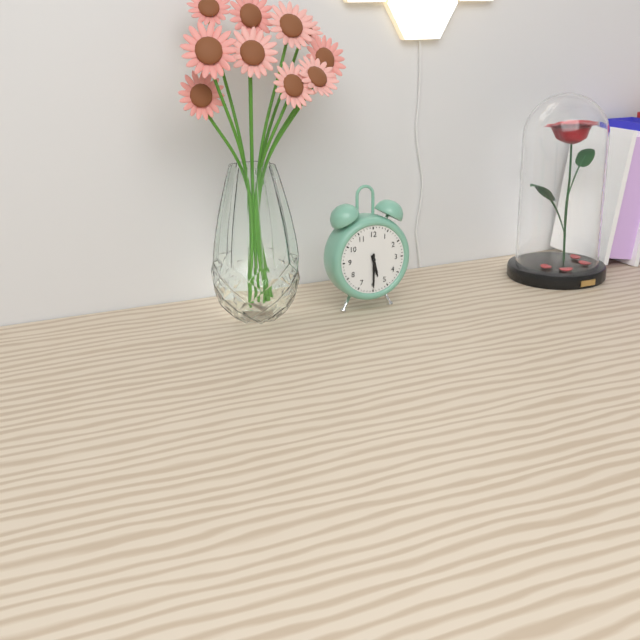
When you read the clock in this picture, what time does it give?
5:30
